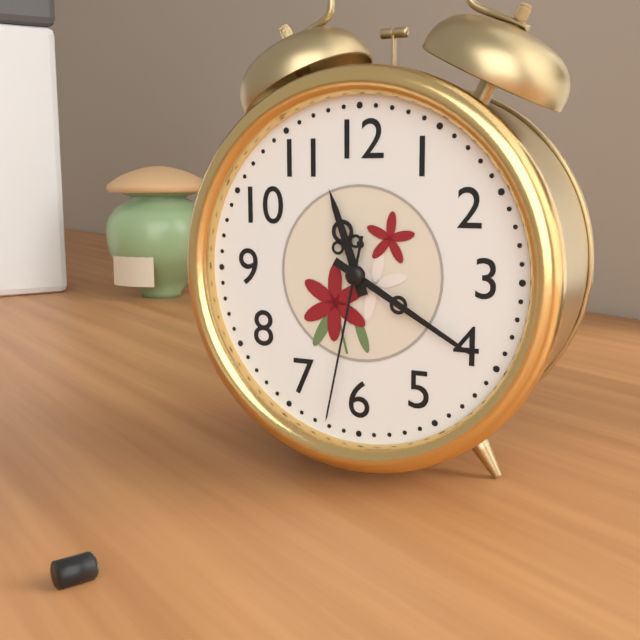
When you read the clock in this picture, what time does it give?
11:20:32
